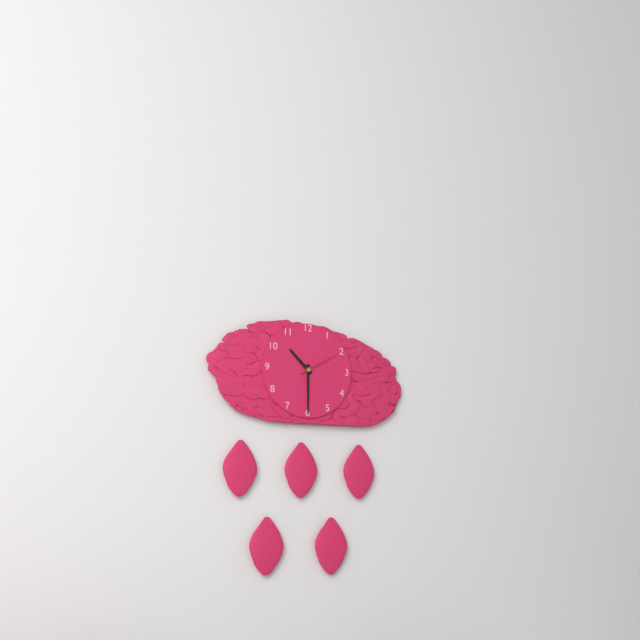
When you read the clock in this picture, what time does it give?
10:30
